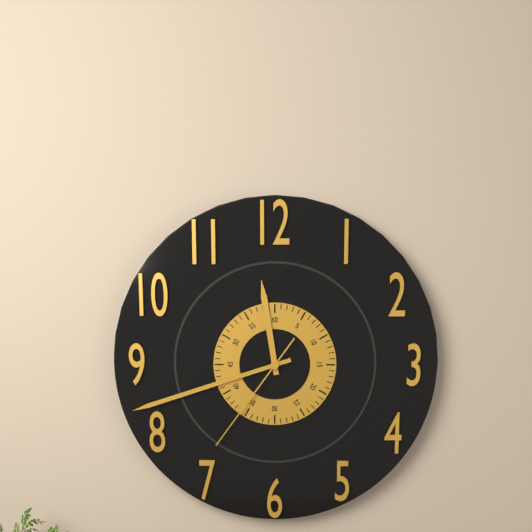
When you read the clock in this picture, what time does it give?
11:42:36
